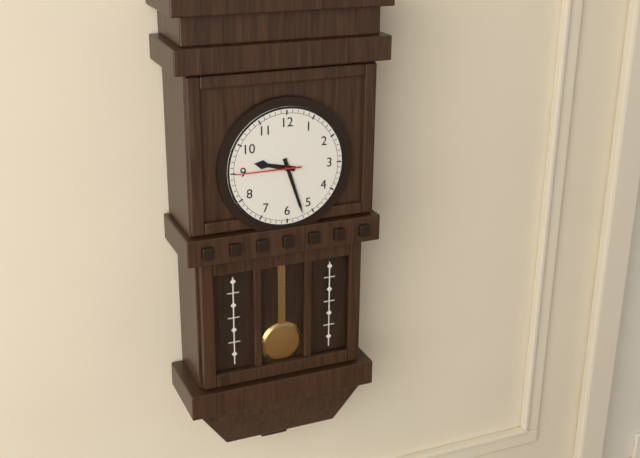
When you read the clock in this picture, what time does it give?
9:27:45
